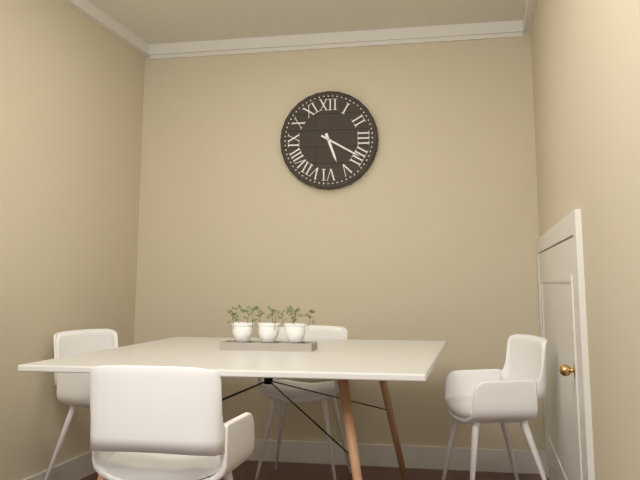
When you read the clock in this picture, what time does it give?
5:20
